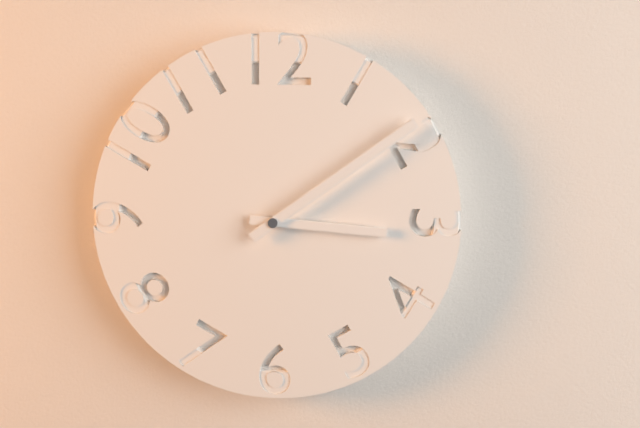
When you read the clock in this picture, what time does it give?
3:09
